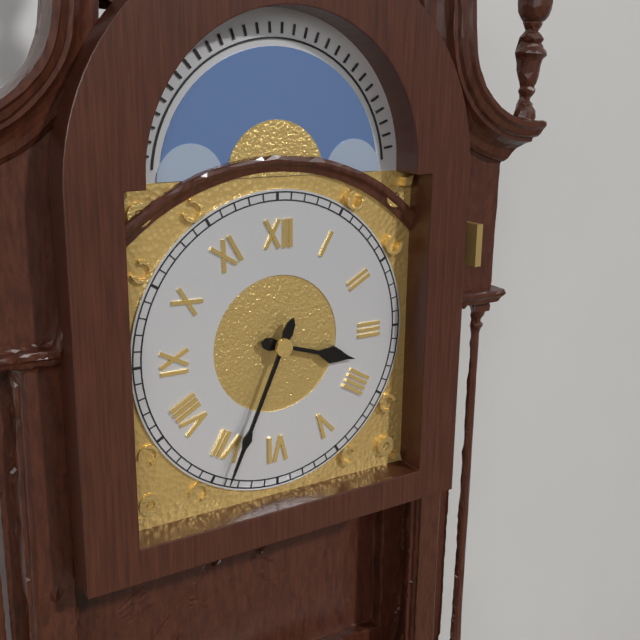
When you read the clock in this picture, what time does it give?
3:34
